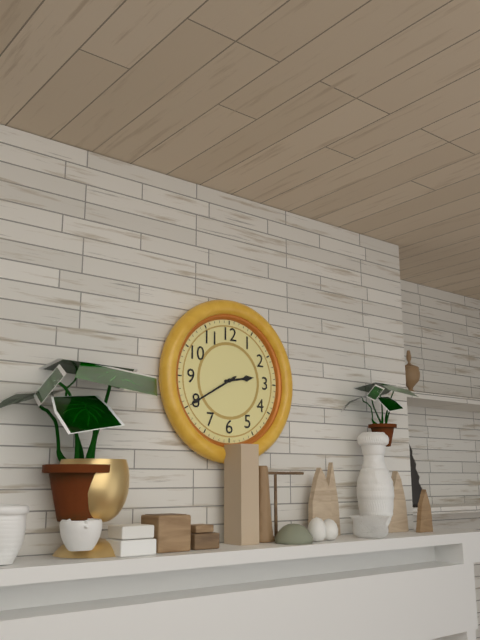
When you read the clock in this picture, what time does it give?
2:40
